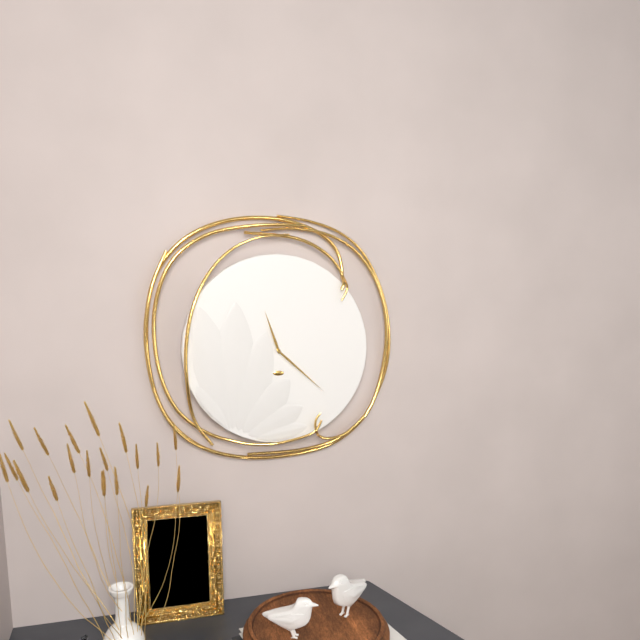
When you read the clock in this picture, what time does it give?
11:22
